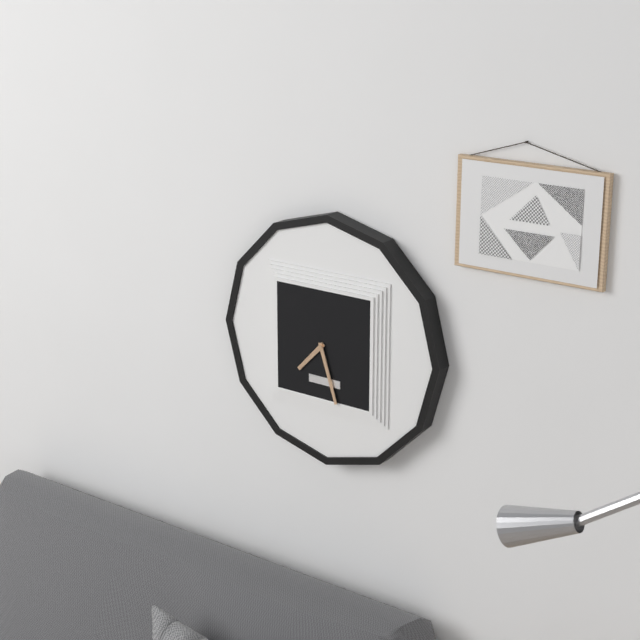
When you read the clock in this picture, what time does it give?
7:27
